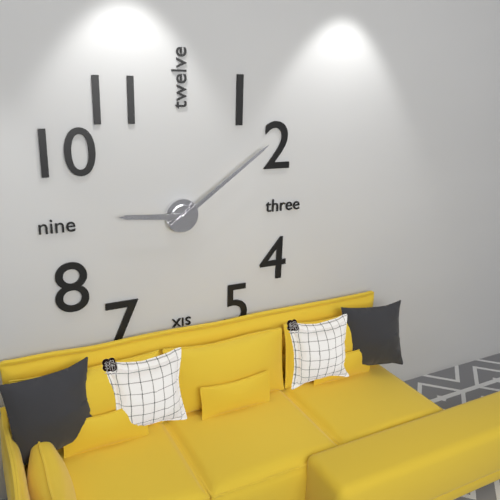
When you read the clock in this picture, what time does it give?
9:09
